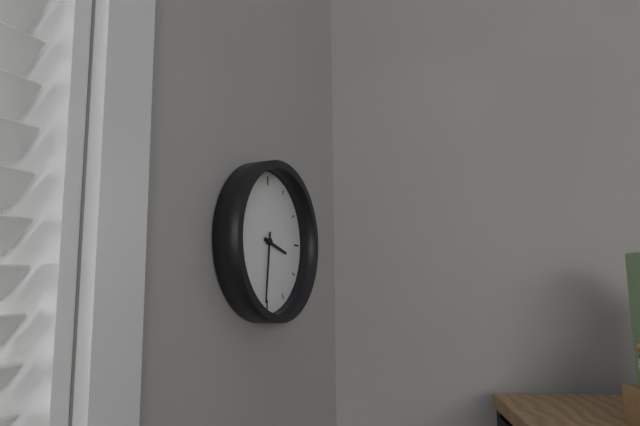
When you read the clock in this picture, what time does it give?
3:31
